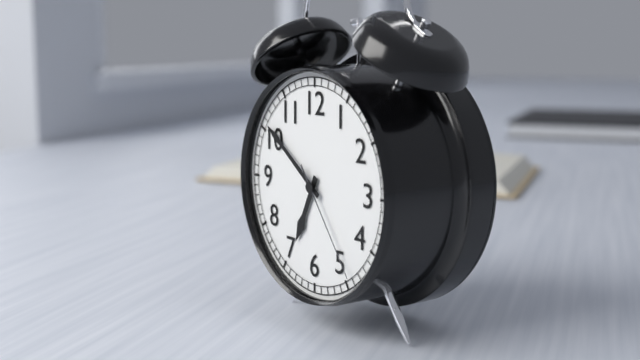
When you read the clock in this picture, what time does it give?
6:51:24
